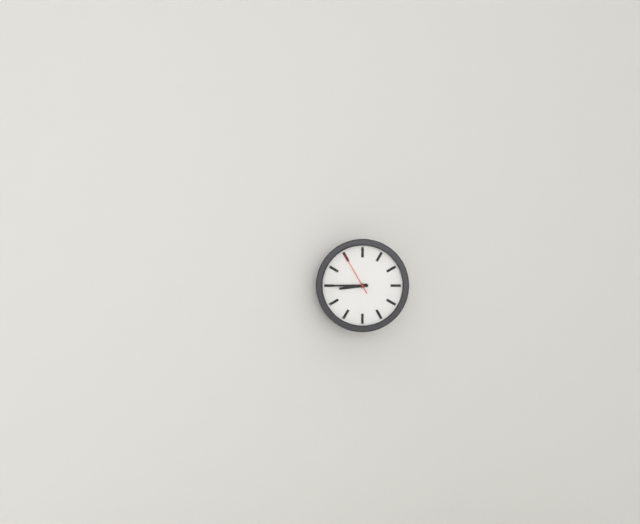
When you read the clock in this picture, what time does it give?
8:45
